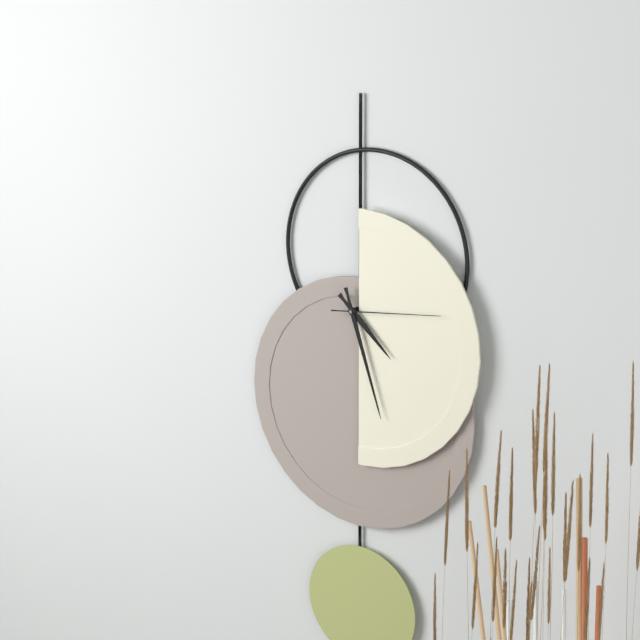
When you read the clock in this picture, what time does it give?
4:27:14
